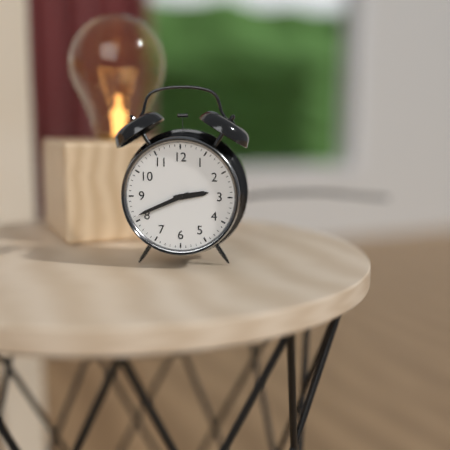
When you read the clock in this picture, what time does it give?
2:41
